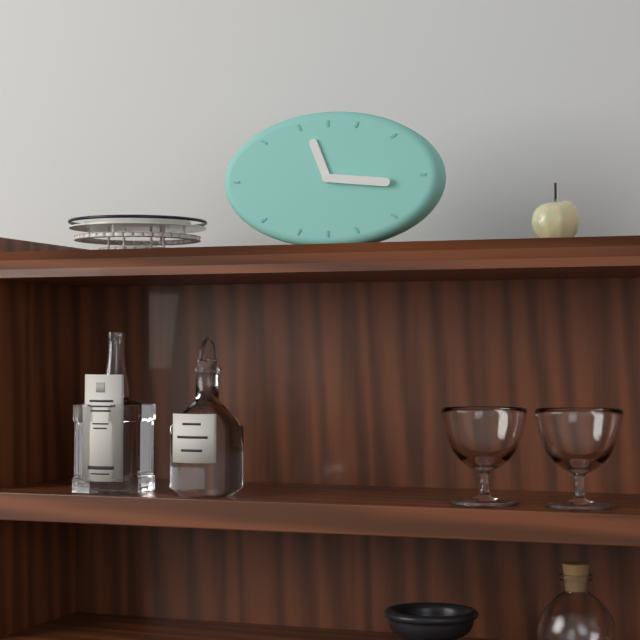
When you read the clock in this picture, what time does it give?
11:16
